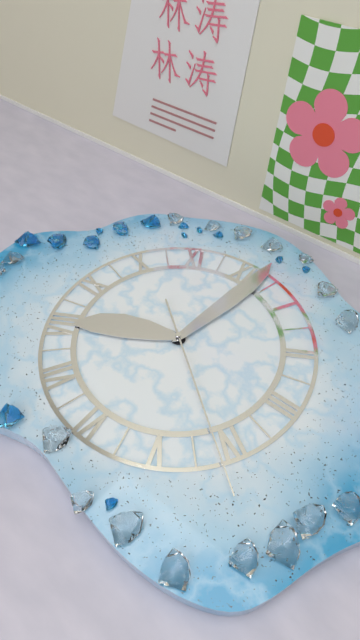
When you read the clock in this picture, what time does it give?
8:01:21
